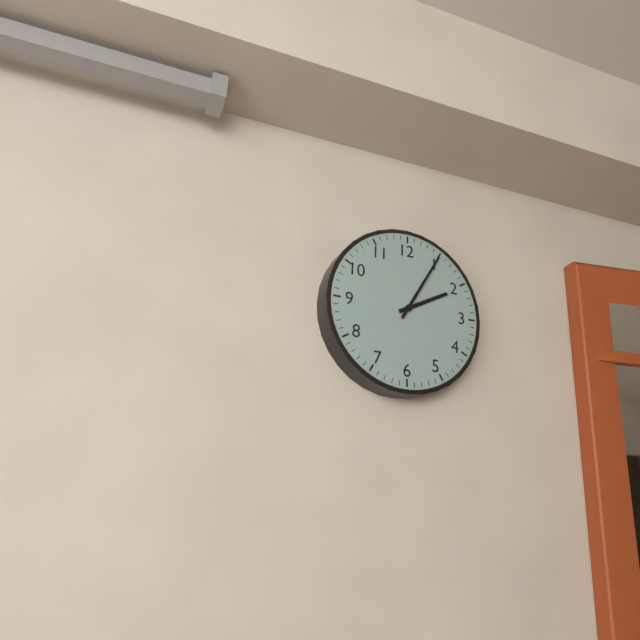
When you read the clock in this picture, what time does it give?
2:05
